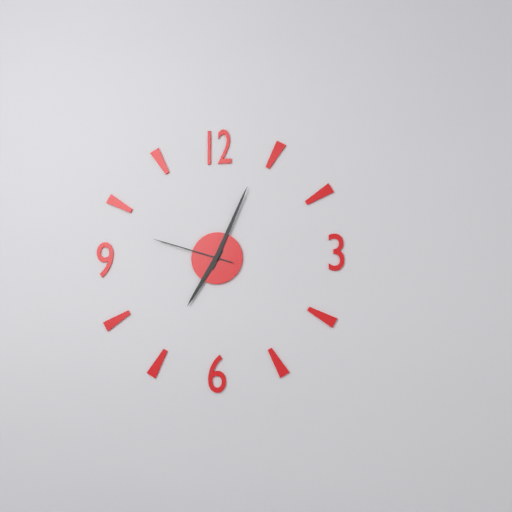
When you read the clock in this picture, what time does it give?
7:04:48
